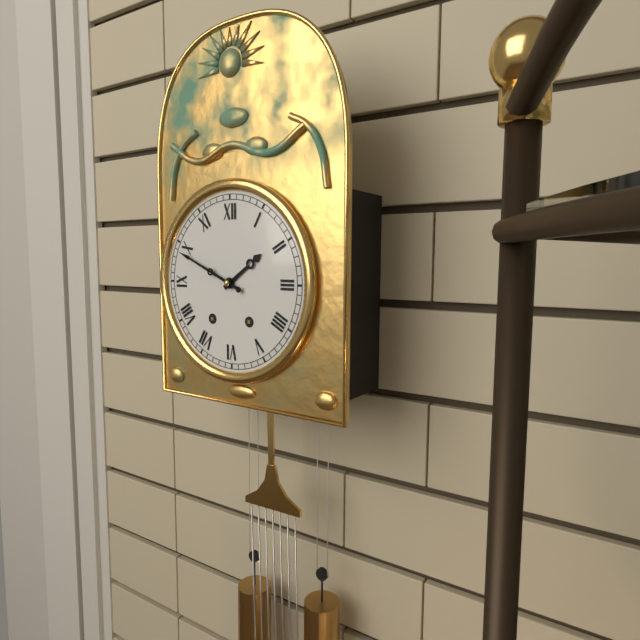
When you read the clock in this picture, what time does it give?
1:49
